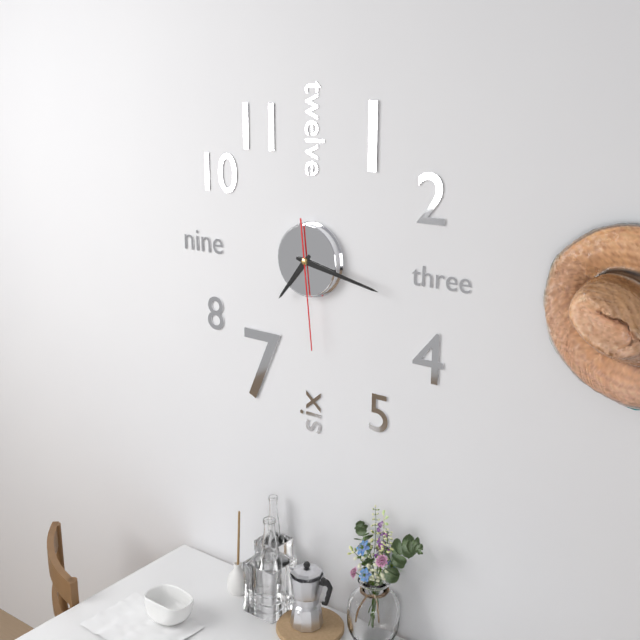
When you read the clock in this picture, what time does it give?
7:17:29
